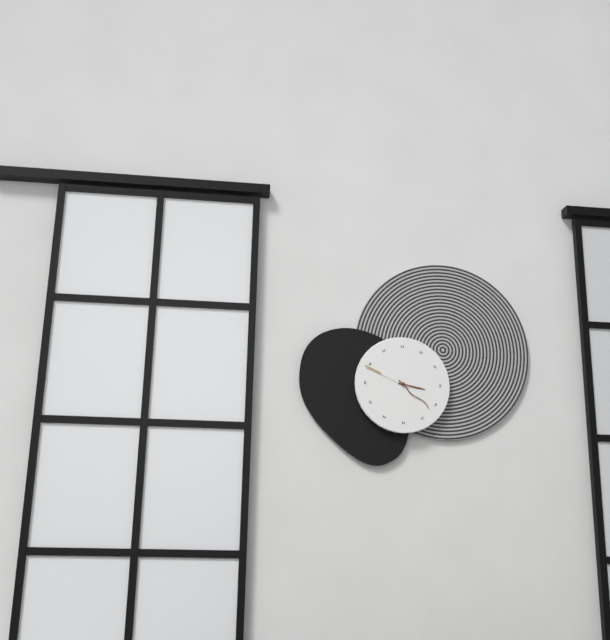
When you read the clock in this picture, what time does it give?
3:22:49
